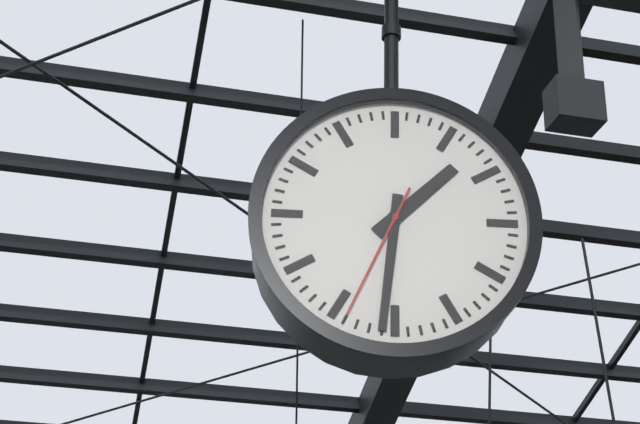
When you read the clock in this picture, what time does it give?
1:31:34
